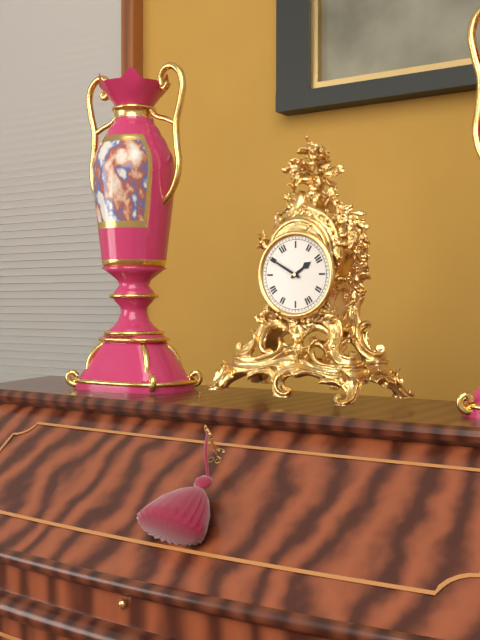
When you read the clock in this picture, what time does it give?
1:50
